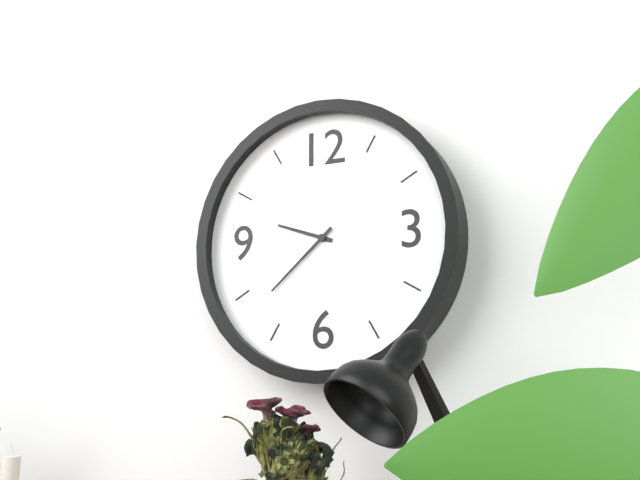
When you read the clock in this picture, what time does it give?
9:38
